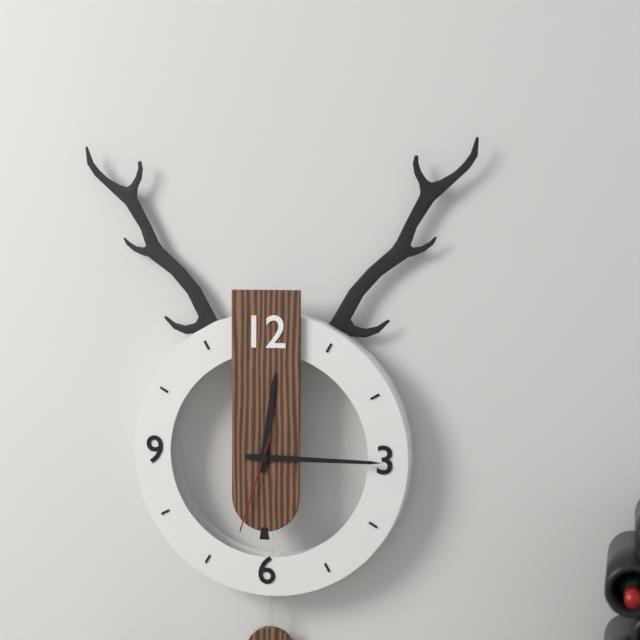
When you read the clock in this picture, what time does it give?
12:15:33
